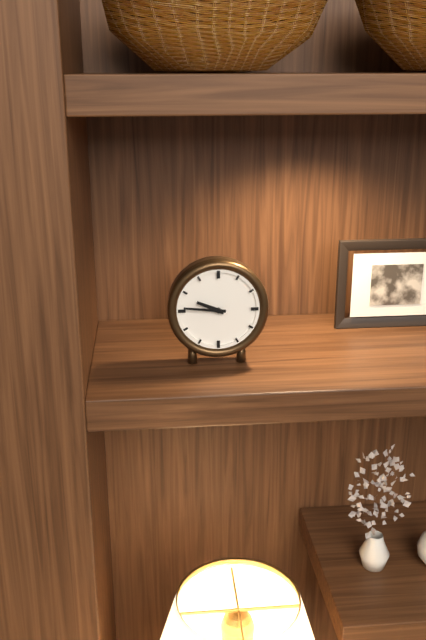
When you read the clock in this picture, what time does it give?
9:46
